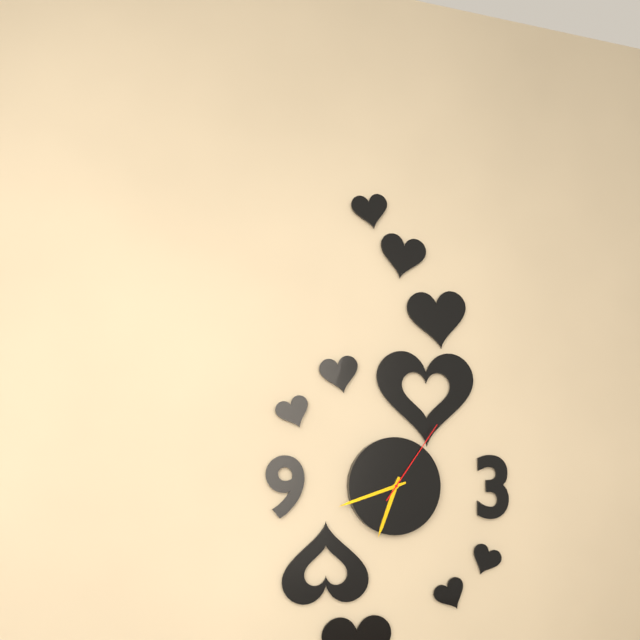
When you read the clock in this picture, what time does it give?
6:42:06
